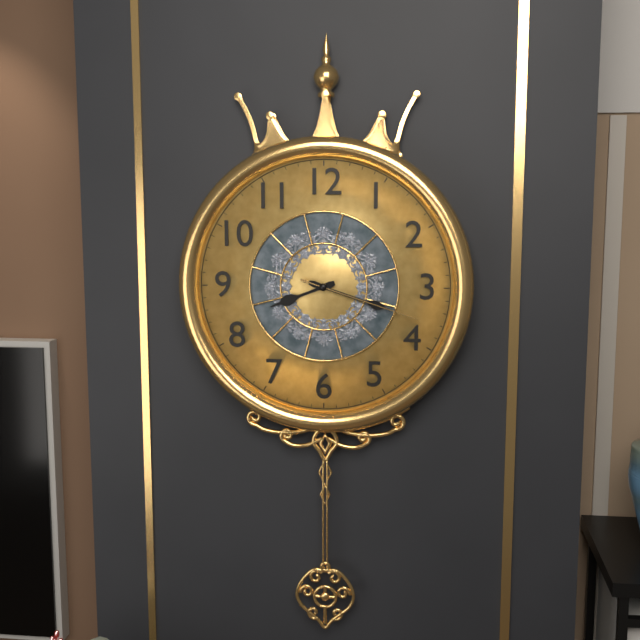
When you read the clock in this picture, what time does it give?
8:18:18
